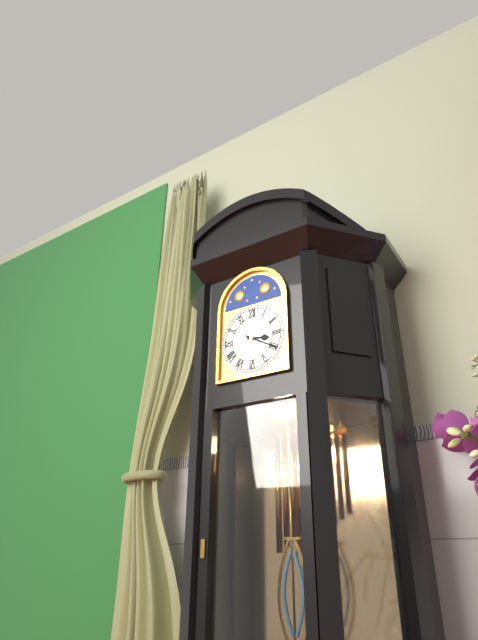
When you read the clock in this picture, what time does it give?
3:20
